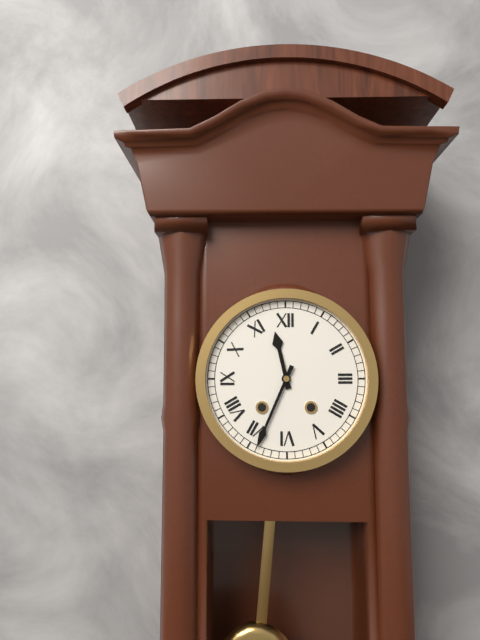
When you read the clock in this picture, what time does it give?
11:34
